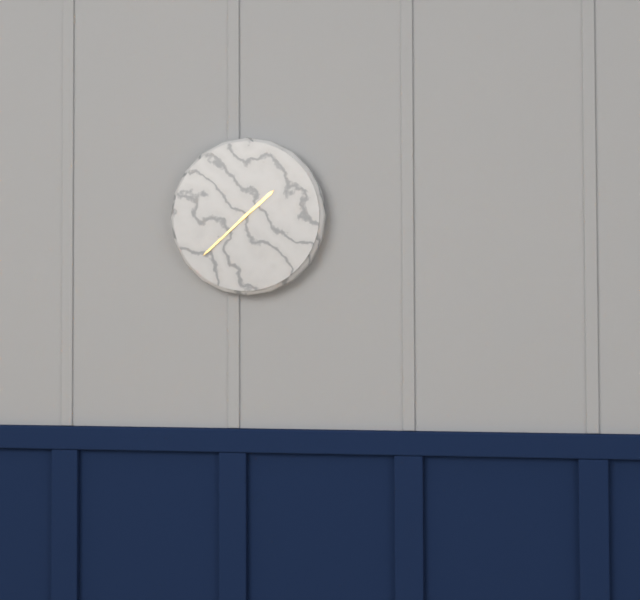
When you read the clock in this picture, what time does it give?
1:38
